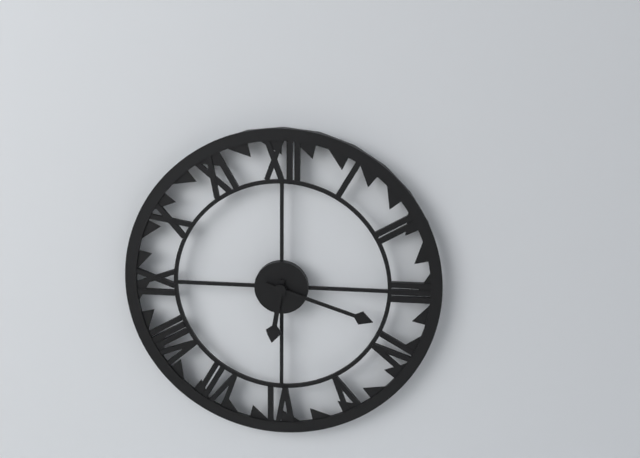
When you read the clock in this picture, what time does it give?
6:18
